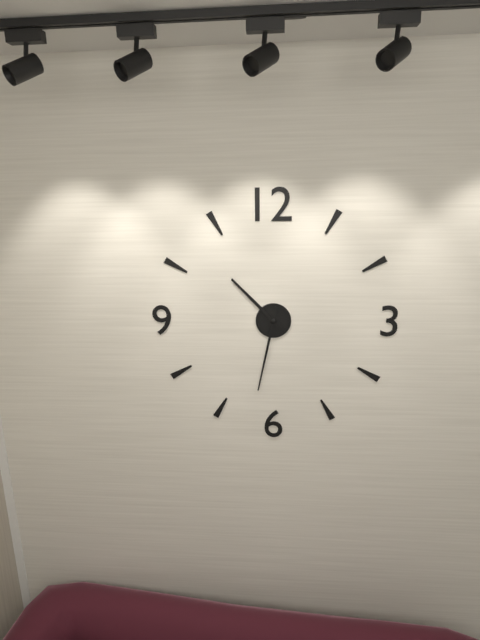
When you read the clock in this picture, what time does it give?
10:32
